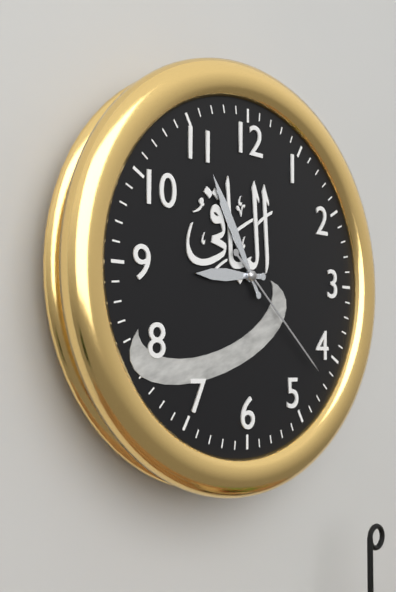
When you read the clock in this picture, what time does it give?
8:55:22
